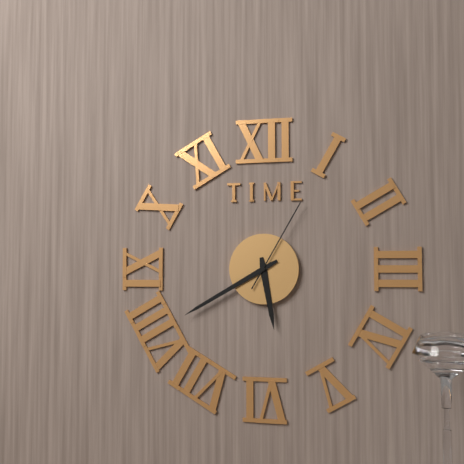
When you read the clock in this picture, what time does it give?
5:40:05
